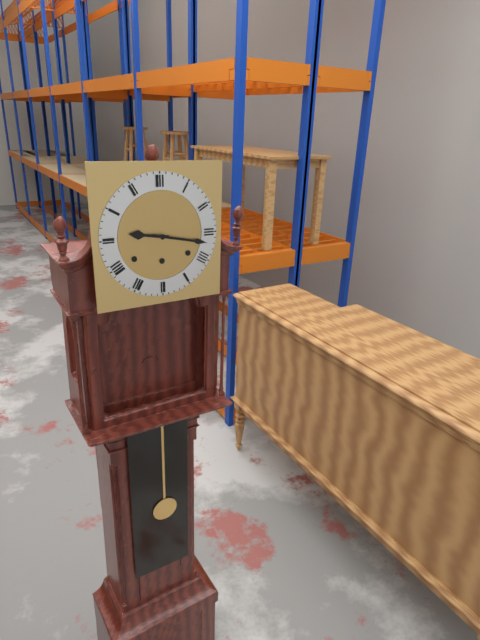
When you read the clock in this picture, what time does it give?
9:17
